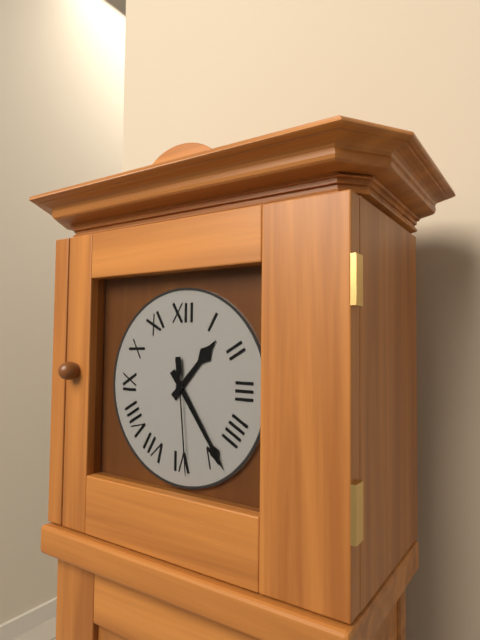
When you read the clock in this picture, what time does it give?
1:24:29
